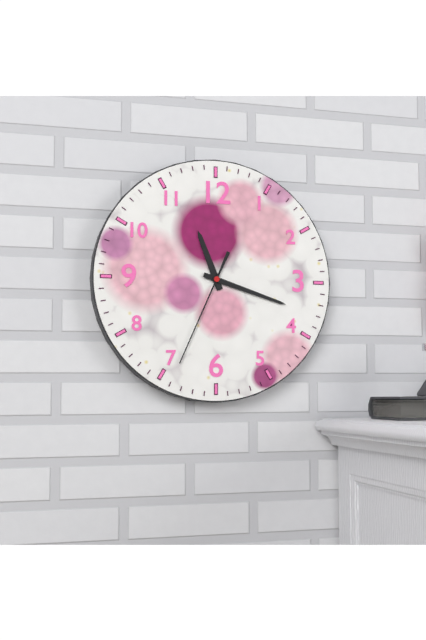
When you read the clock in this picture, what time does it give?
11:18:34
